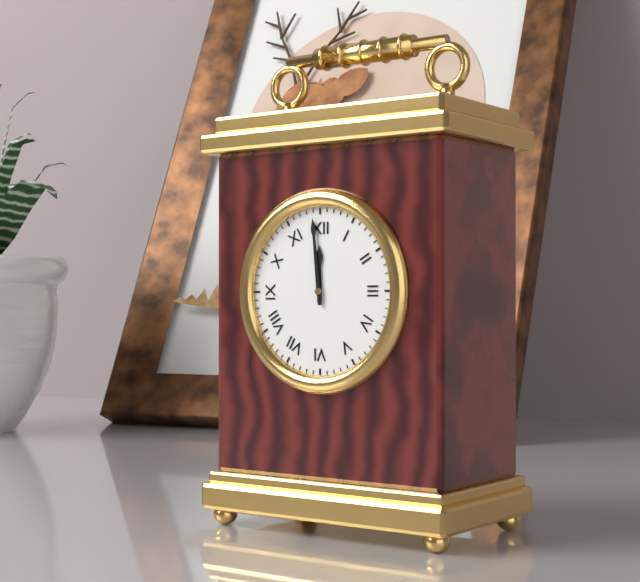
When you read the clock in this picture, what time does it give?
11:59
